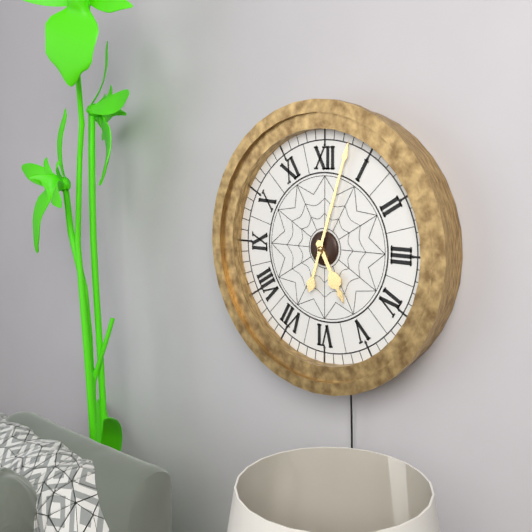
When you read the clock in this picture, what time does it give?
5:03
